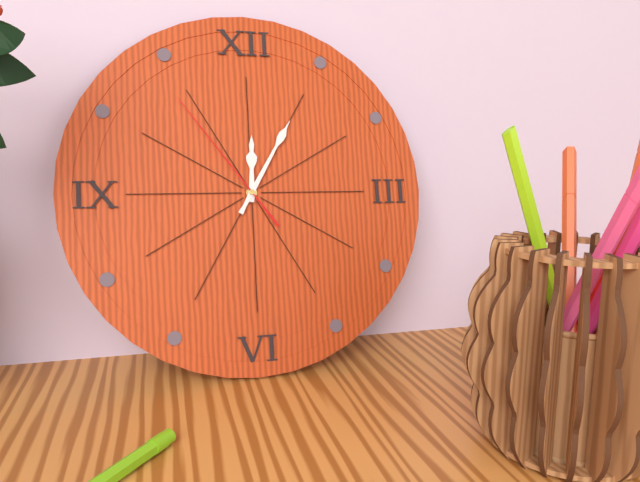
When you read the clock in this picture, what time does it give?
12:05:54
